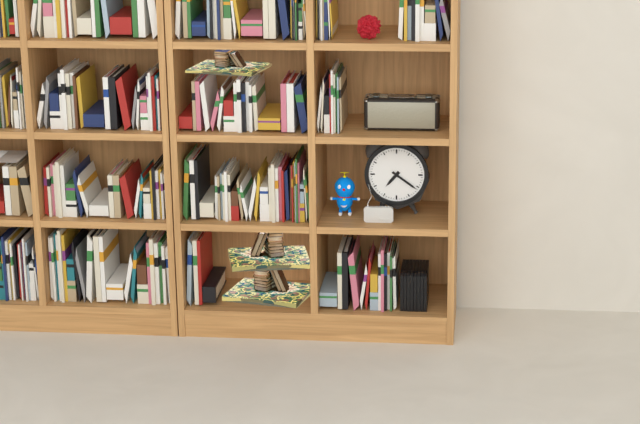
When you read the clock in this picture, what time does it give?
7:21
